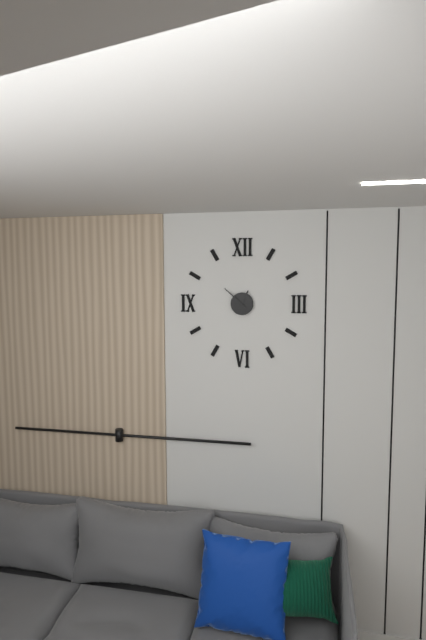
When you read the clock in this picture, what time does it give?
12:52
